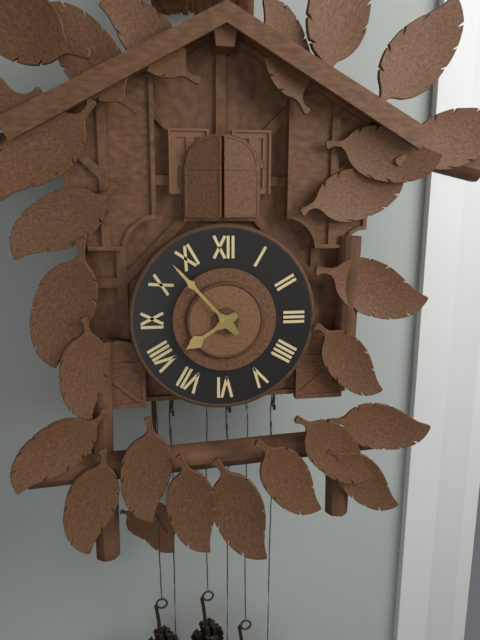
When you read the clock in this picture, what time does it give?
7:53
